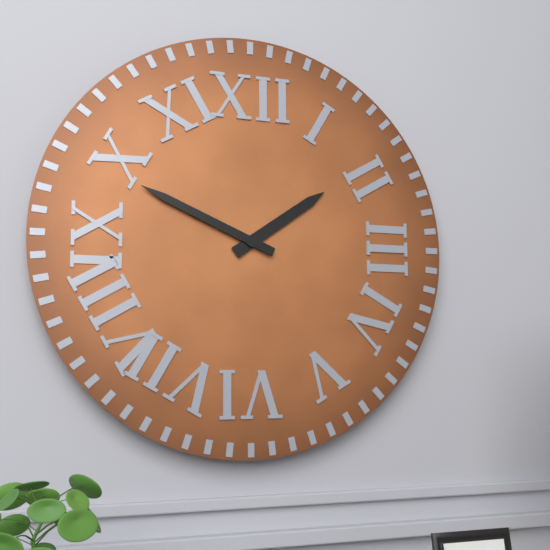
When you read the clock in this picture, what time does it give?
1:49
